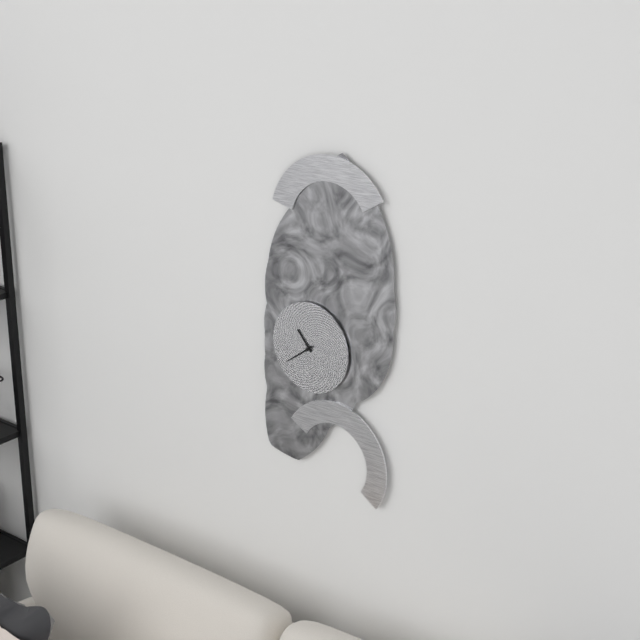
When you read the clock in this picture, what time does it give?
10:39
